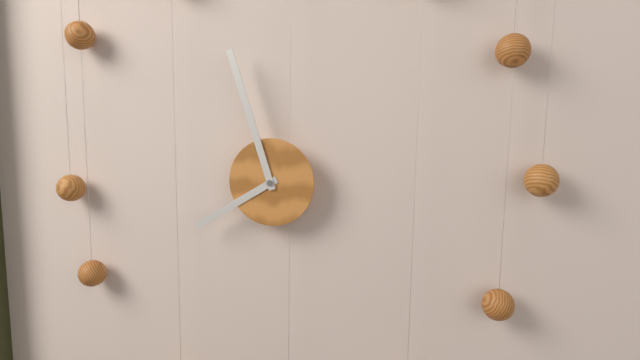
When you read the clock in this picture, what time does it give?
7:57
